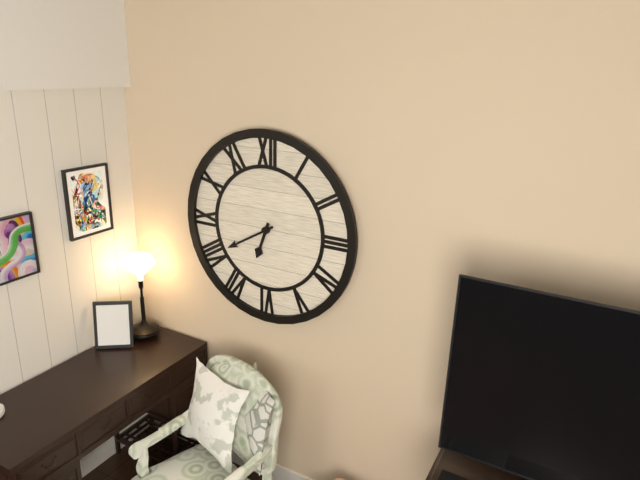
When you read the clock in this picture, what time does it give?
6:40
